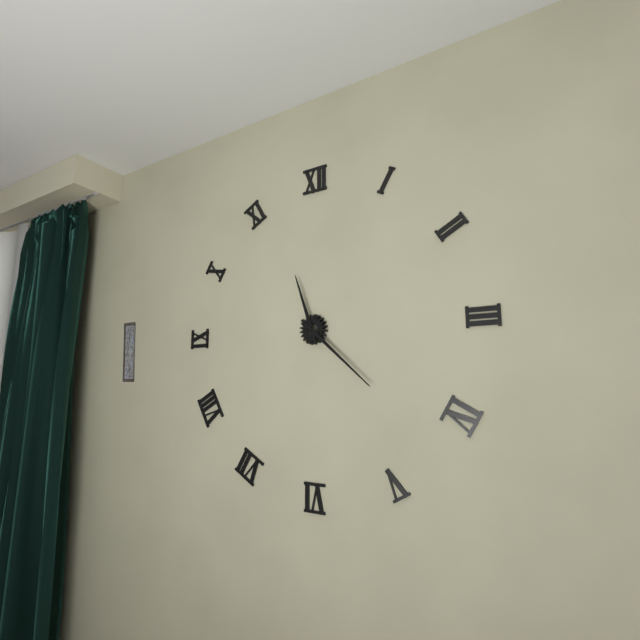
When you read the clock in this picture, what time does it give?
11:22
